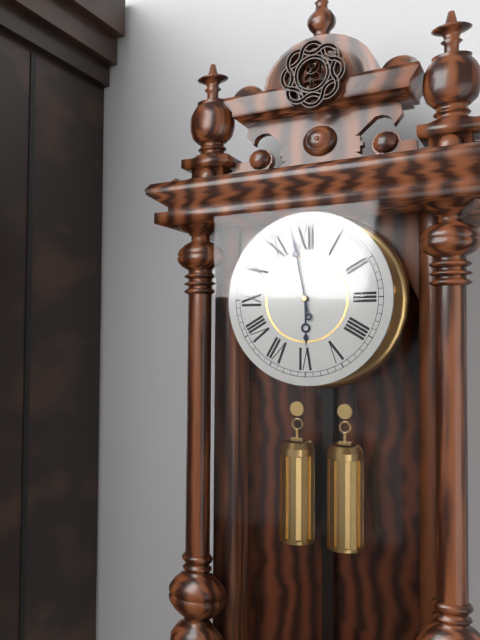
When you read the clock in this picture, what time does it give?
5:58
